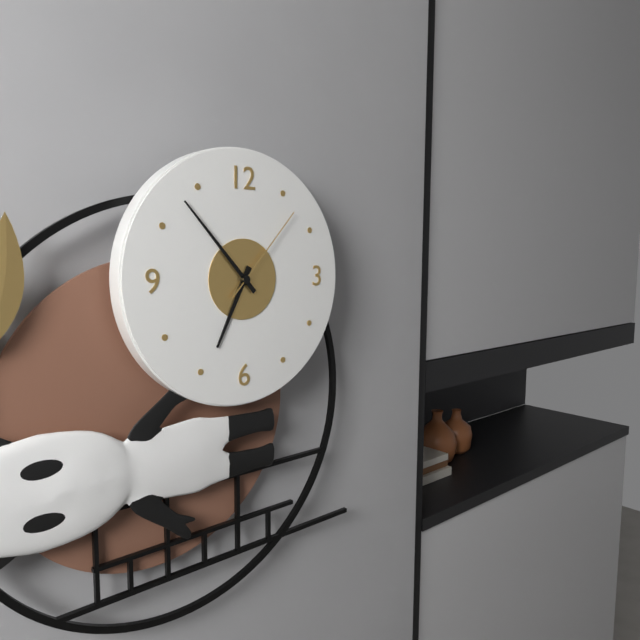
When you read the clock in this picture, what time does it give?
6:53:07
